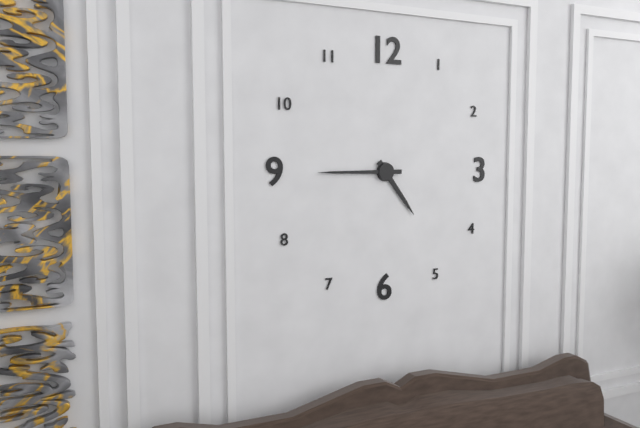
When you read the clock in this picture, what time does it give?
4:45
